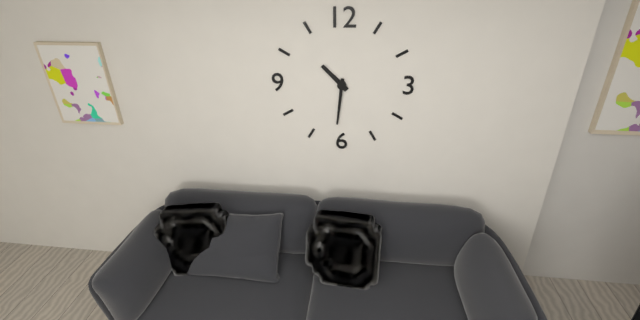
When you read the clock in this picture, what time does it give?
10:31
